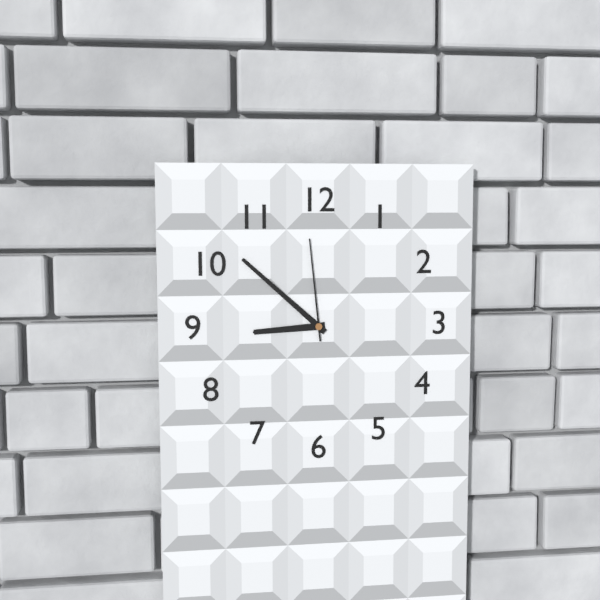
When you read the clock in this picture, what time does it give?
8:52:59
